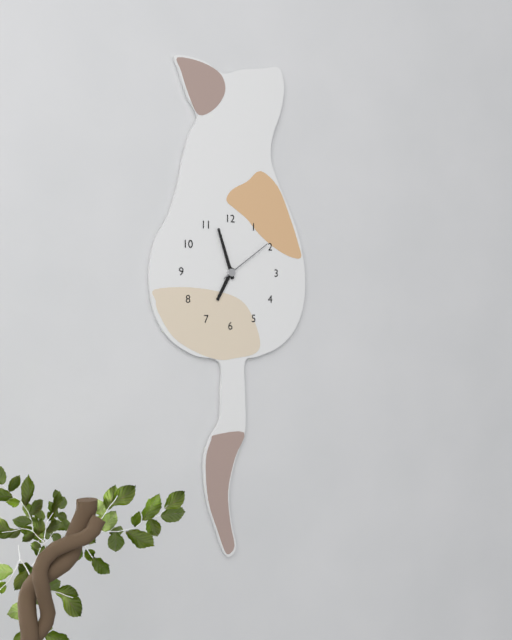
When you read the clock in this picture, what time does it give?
6:57:09
